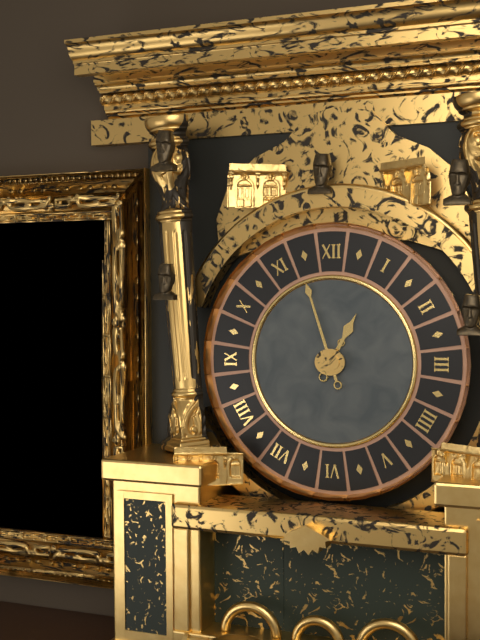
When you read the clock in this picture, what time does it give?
12:57
